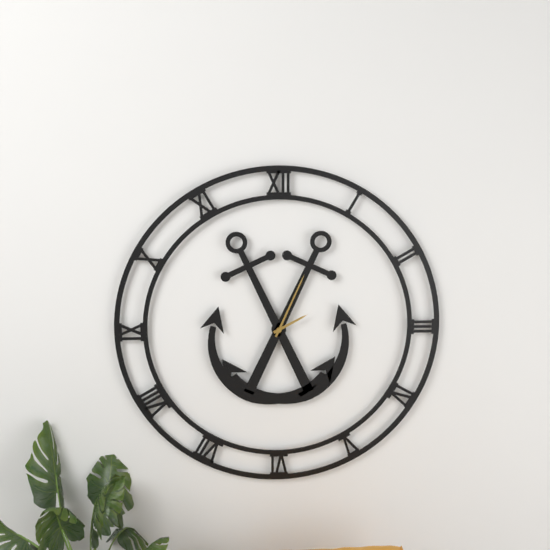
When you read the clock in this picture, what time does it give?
2:04
